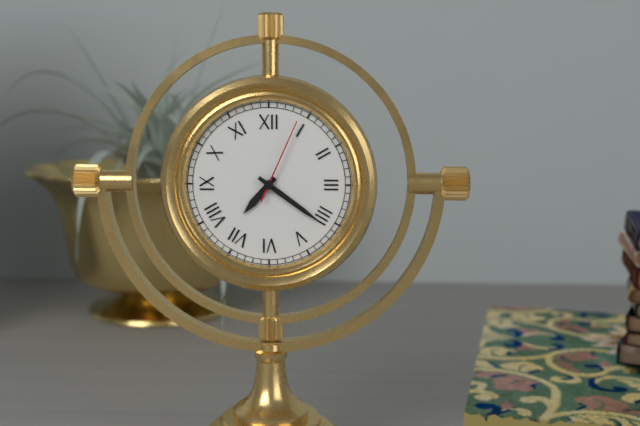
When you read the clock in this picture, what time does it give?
7:21:04
